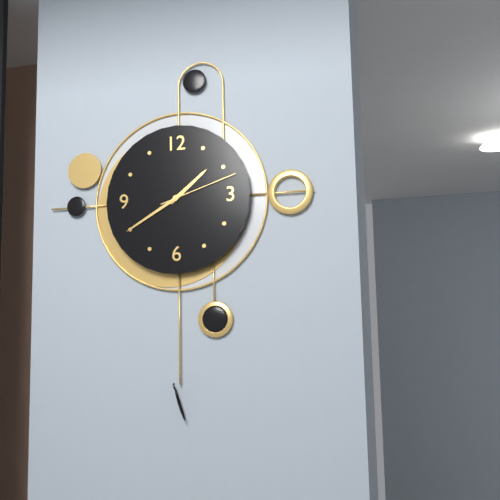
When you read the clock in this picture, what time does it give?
1:40:12
